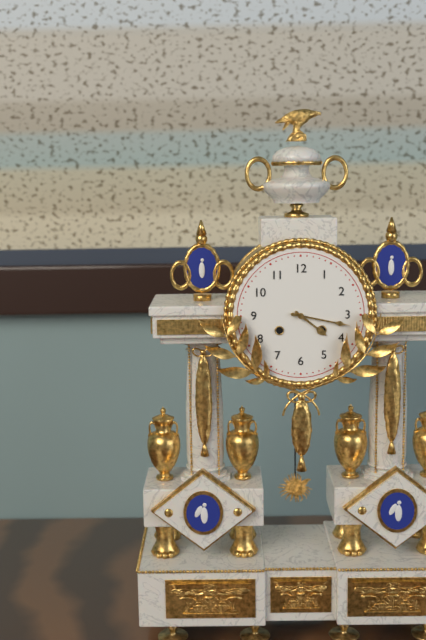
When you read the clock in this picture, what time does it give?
4:17
